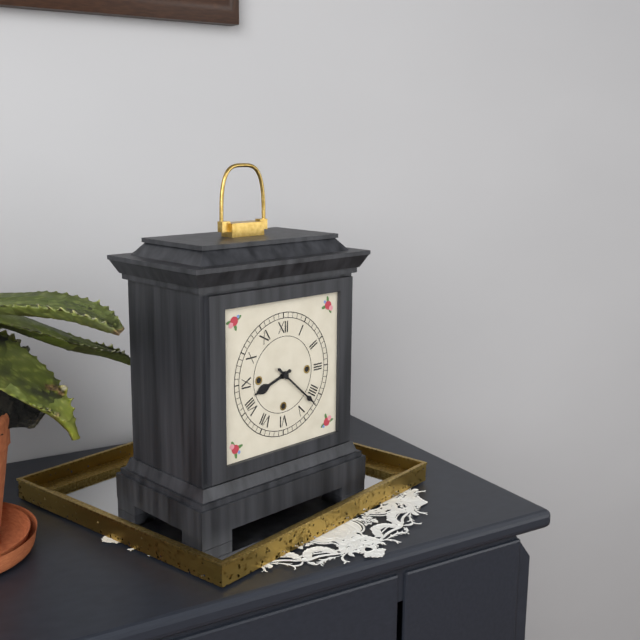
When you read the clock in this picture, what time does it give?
8:22
